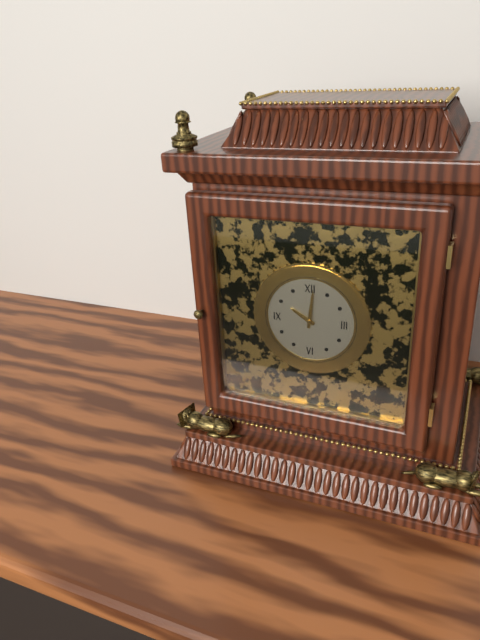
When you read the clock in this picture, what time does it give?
10:01
